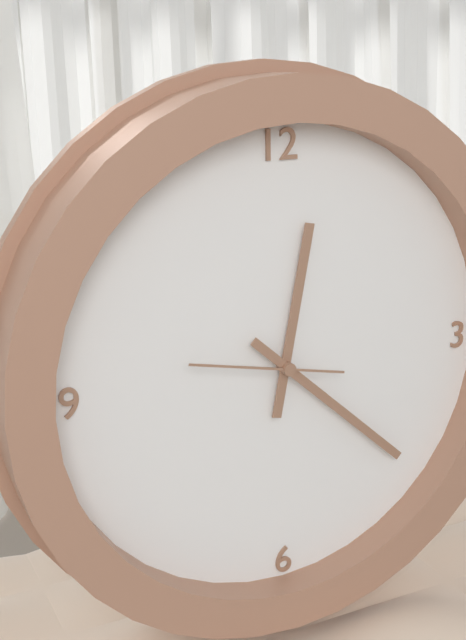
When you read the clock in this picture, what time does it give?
12:22:47
